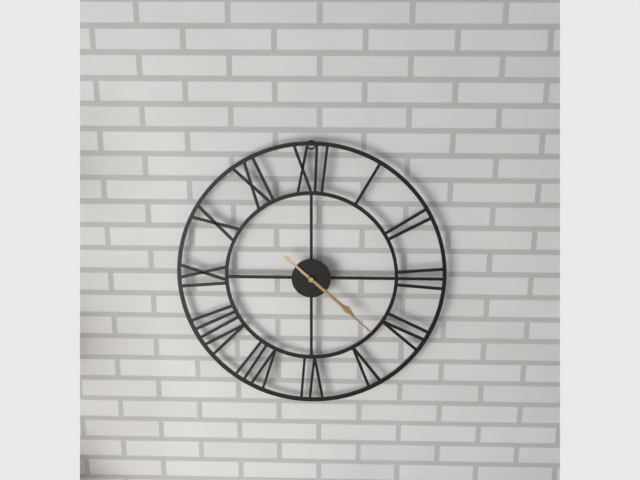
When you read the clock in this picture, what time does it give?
4:22
